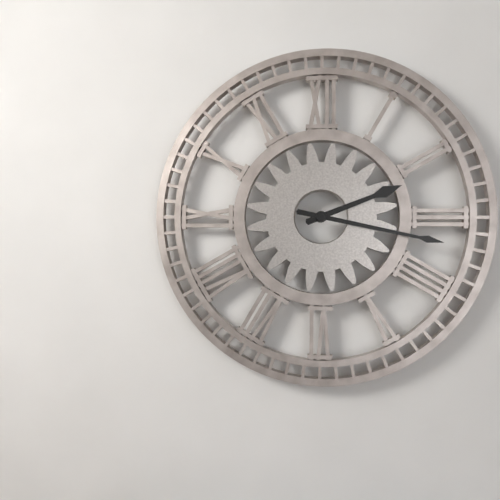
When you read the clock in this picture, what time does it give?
2:17
